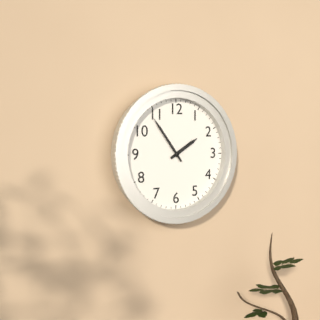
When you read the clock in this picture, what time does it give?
1:54
